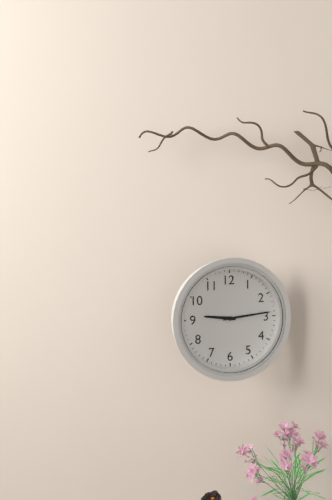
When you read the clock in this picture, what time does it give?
9:14
